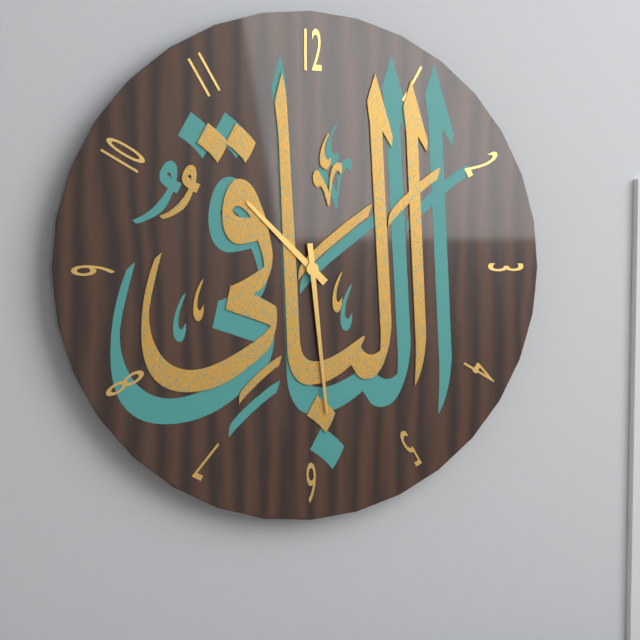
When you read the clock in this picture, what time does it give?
10:29
